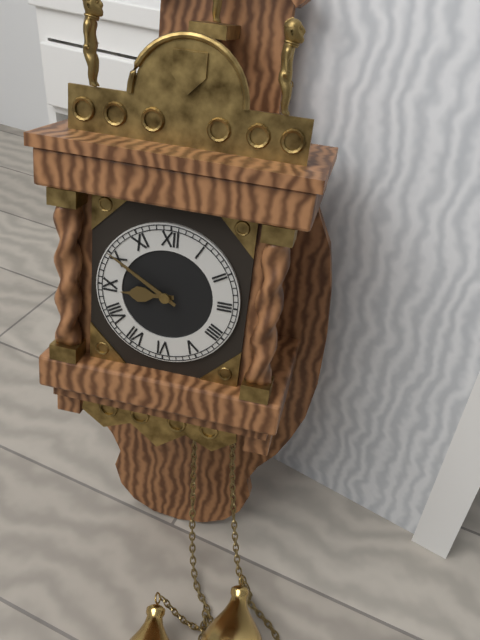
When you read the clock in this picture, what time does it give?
8:50
